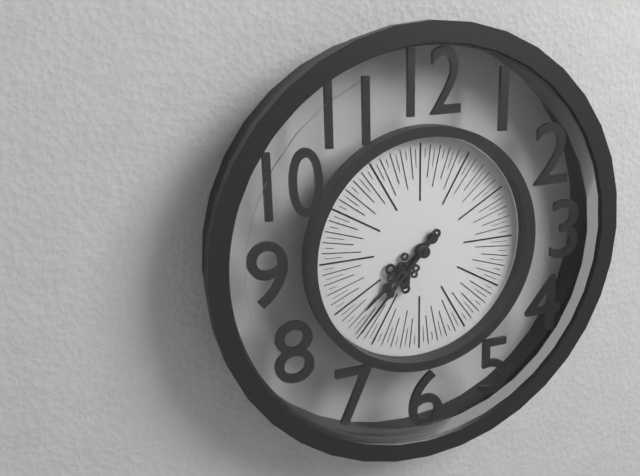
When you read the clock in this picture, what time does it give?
7:37
